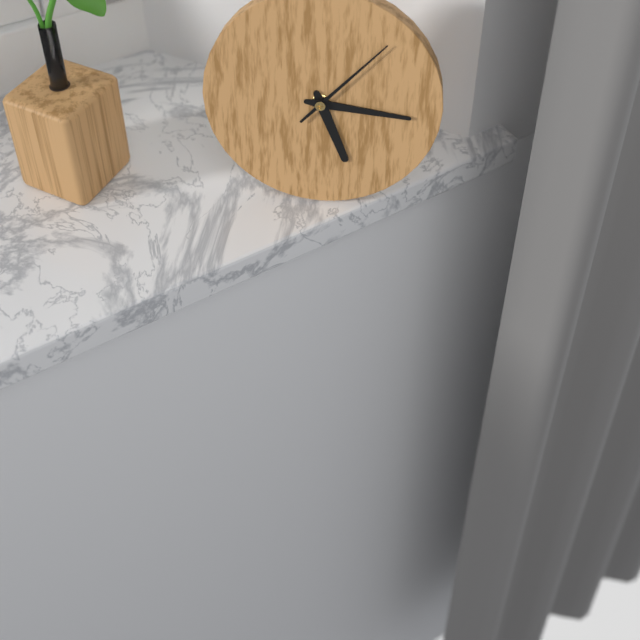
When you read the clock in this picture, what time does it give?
5:16:07
